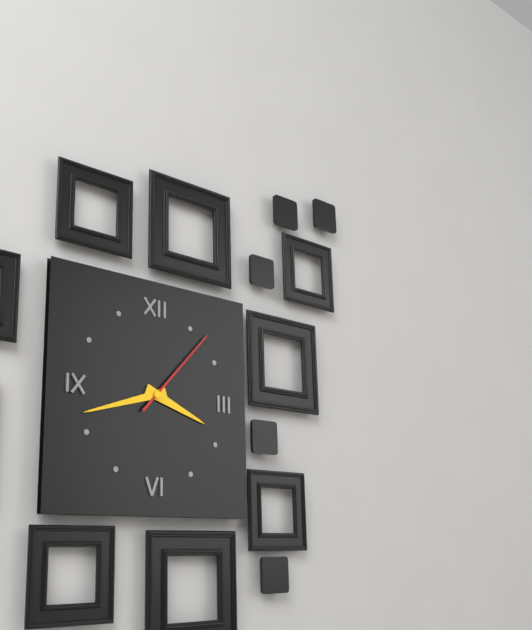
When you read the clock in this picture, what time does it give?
3:42:07
